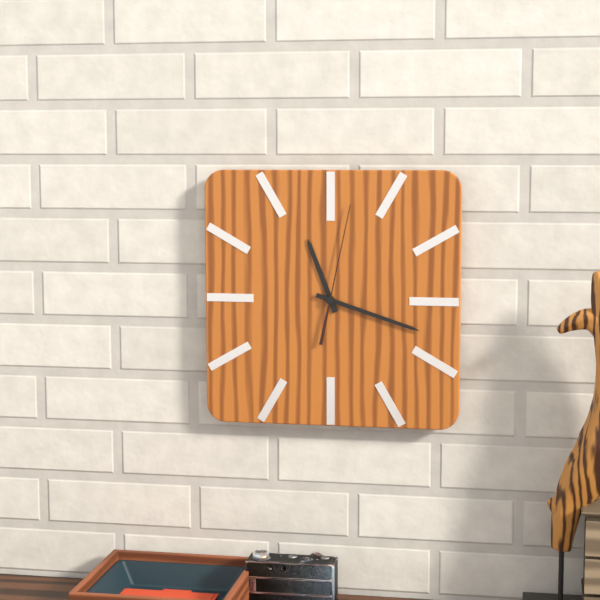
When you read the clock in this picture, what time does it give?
11:18:02
